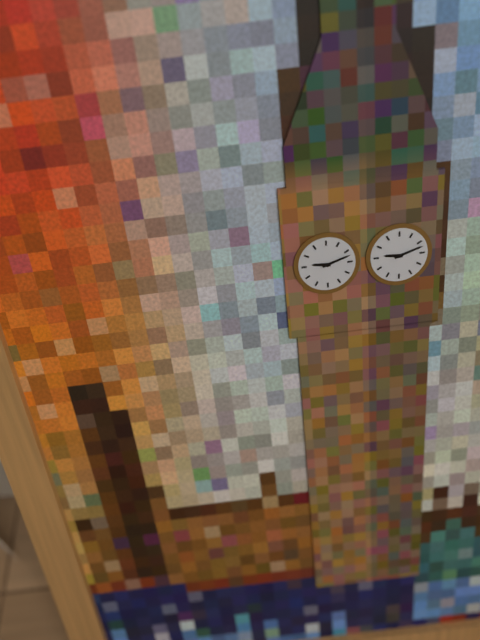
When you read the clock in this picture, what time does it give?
9:12
